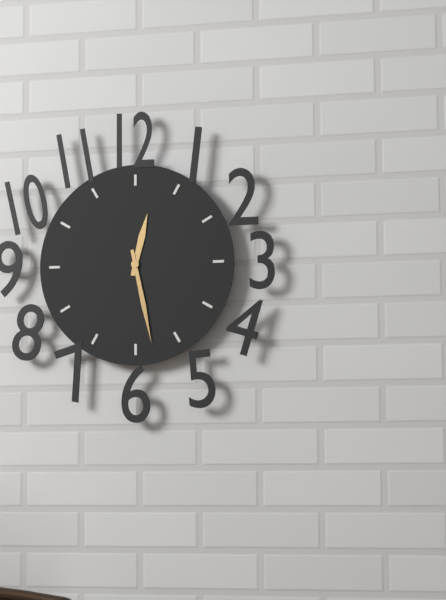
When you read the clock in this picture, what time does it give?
12:28
